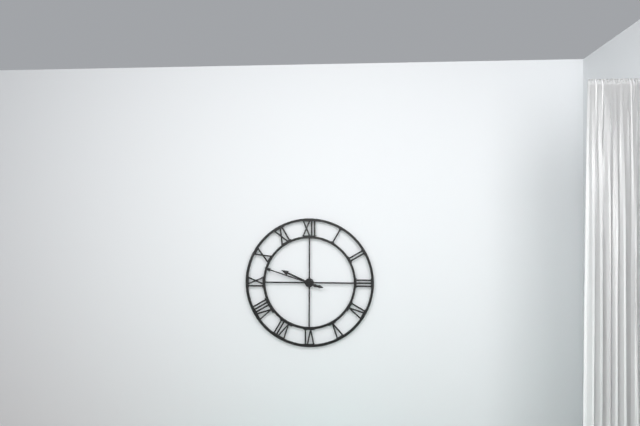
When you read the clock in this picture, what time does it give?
9:48
